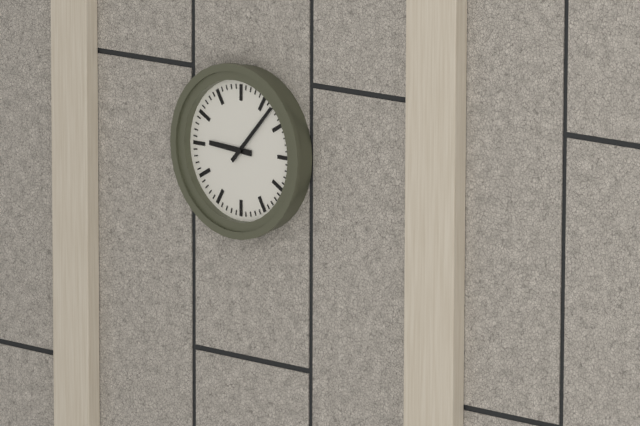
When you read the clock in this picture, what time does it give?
9:07
